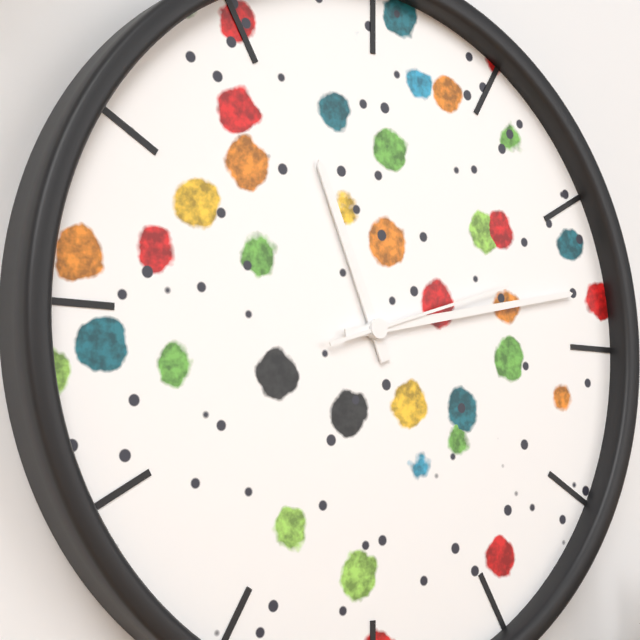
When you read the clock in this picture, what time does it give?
11:13:12
